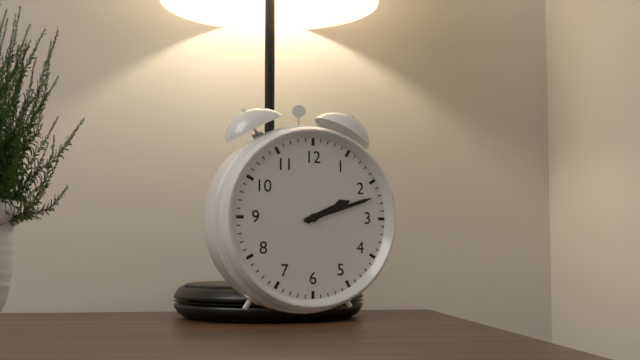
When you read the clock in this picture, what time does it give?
2:12
